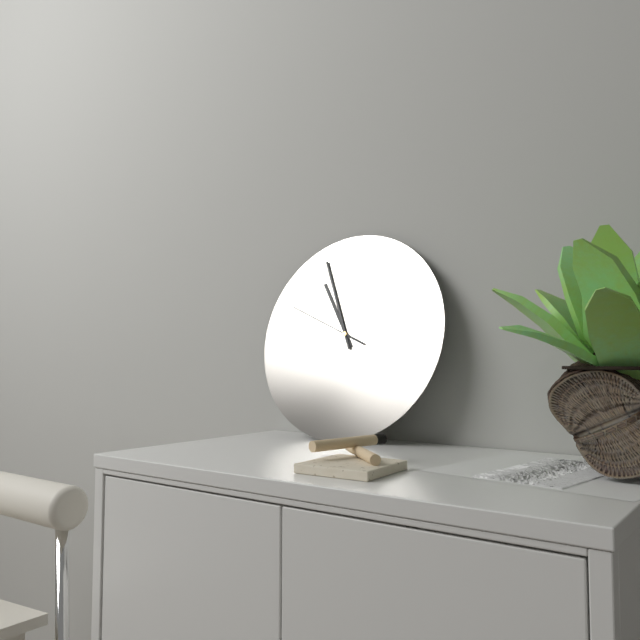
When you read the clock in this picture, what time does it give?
10:56:49
